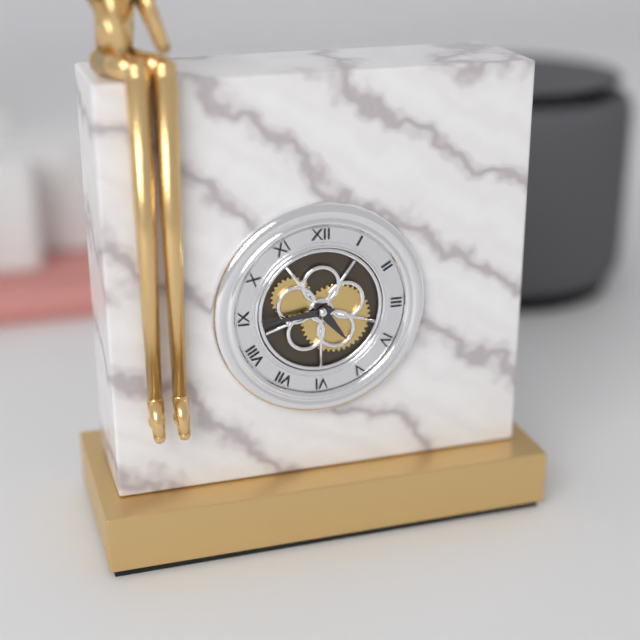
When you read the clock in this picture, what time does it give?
4:44
